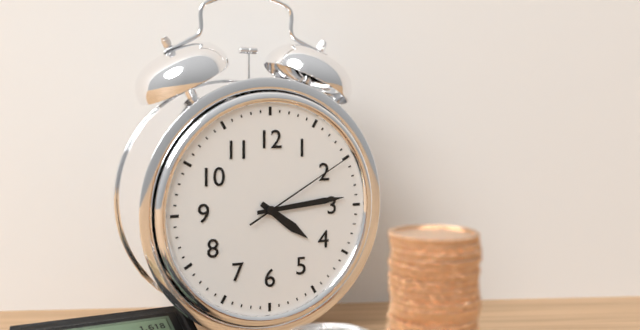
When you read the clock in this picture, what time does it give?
4:14:10
